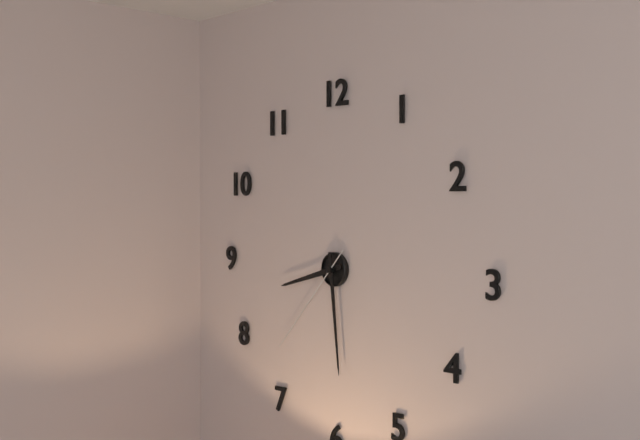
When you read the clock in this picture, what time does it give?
8:29:37
